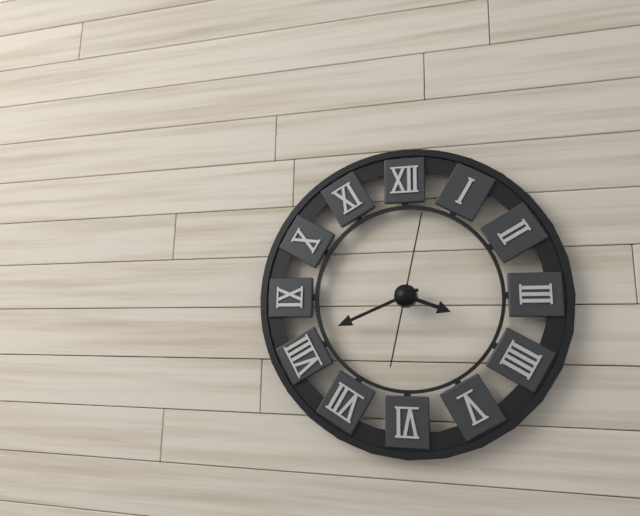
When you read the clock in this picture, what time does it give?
3:41:02
